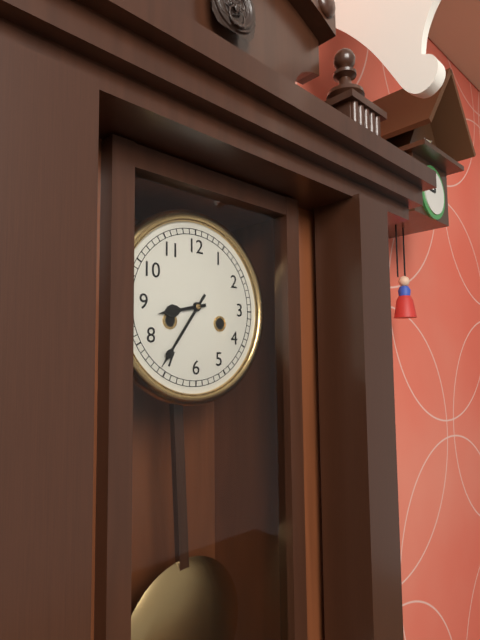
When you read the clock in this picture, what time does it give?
8:36
